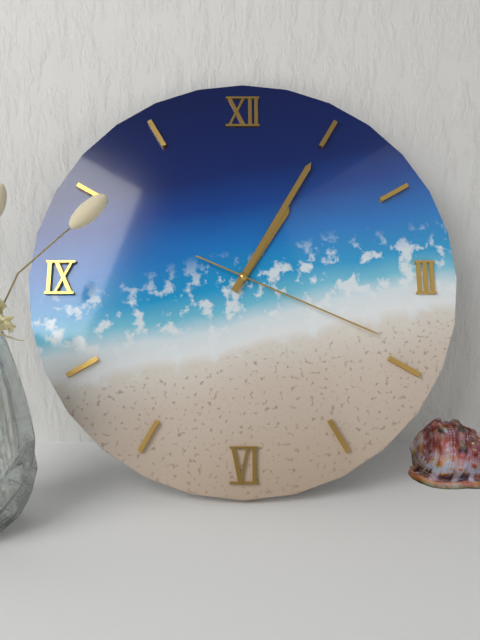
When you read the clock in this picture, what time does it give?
1:05:19
